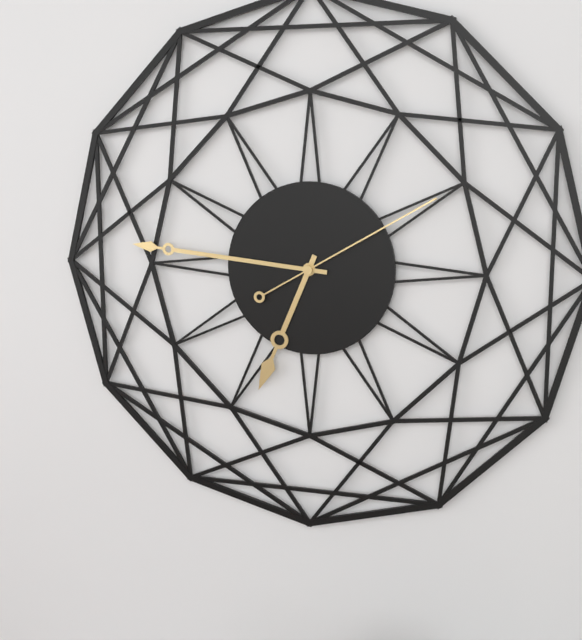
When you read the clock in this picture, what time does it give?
6:46:10
